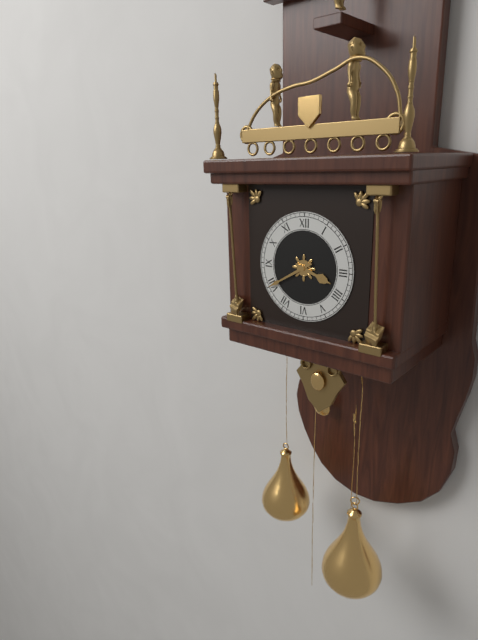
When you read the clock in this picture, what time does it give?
3:40
